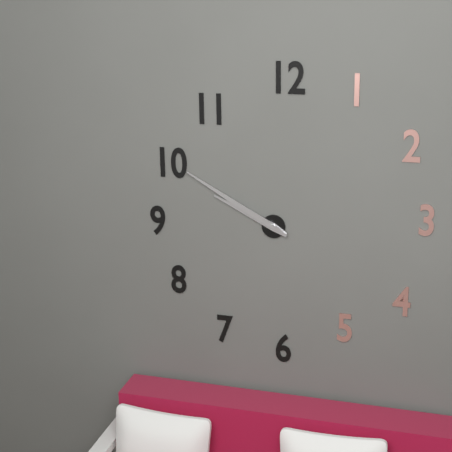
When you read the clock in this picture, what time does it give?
9:50
